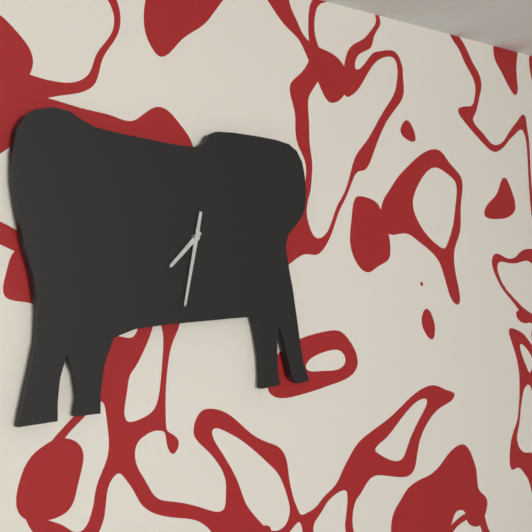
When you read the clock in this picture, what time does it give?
7:32
